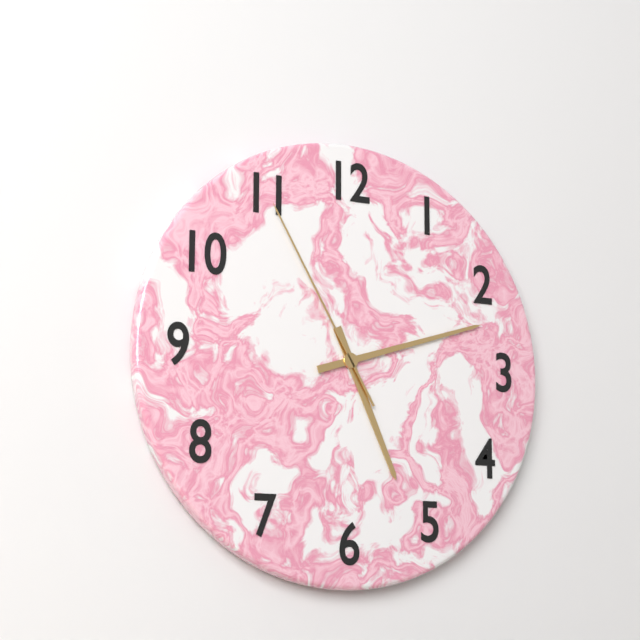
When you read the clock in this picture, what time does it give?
5:12:55
